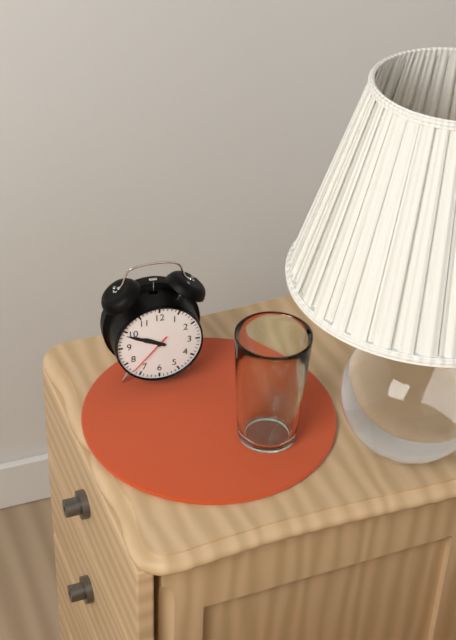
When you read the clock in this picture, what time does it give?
9:49
